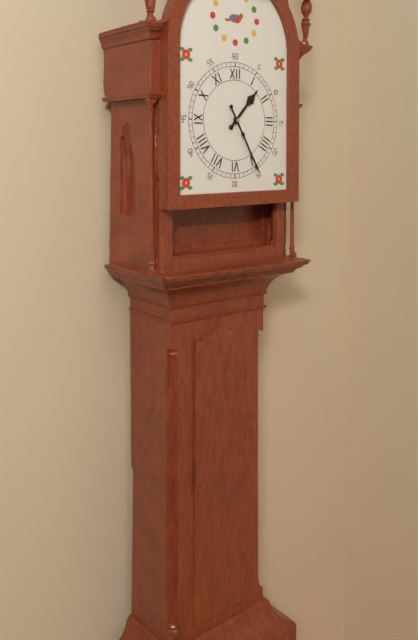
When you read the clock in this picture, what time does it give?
1:25
